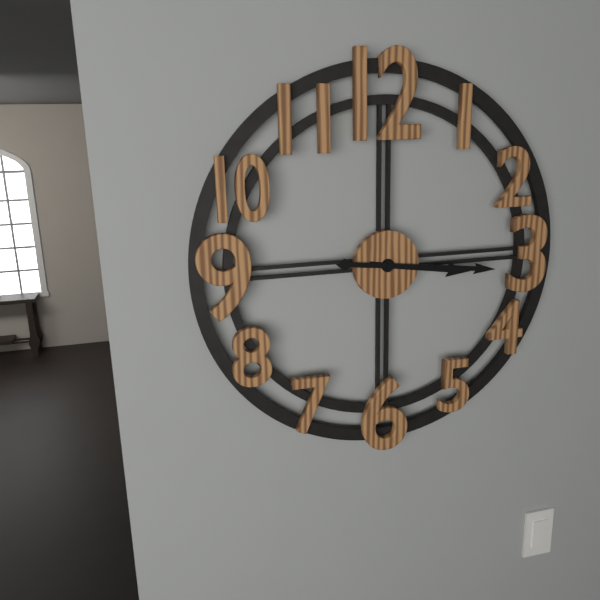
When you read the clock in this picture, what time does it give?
3:16
